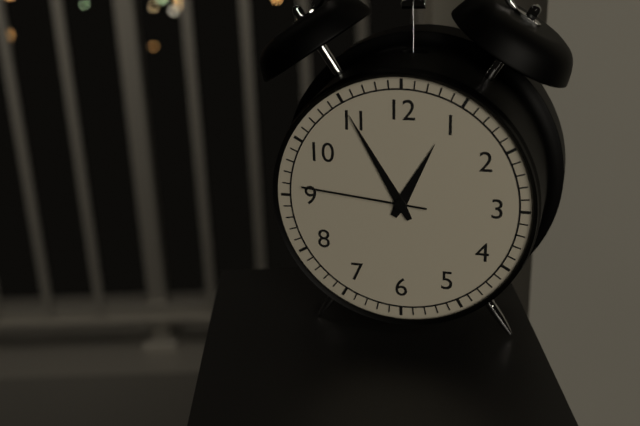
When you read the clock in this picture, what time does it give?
12:55:46
